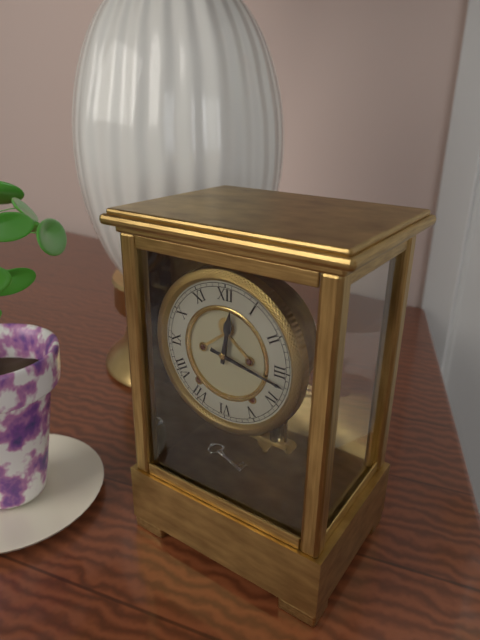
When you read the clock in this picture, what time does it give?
12:17
